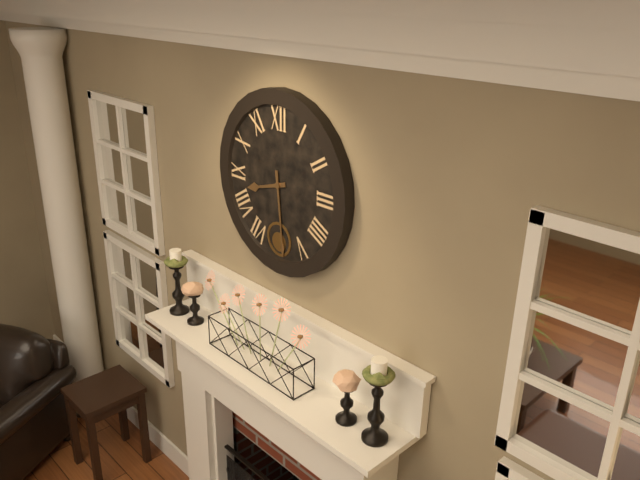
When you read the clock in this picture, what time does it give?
8:29
